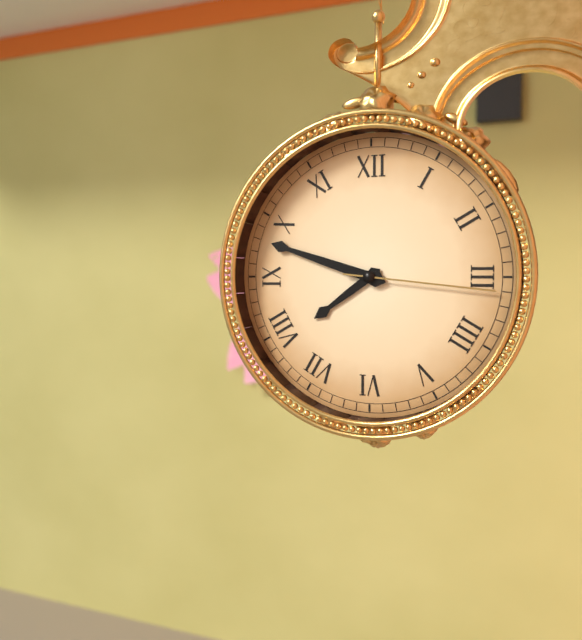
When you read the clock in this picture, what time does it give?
7:48:16
